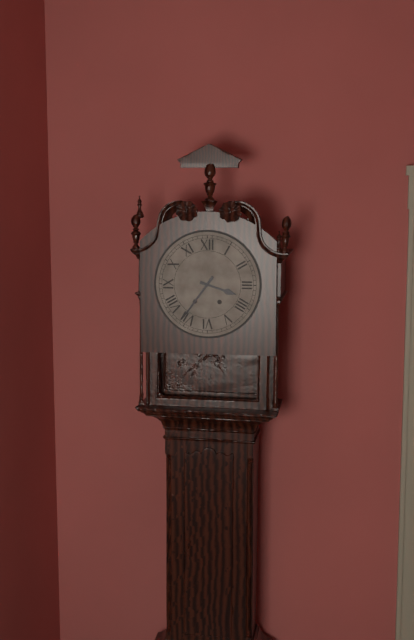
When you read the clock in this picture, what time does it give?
3:36
